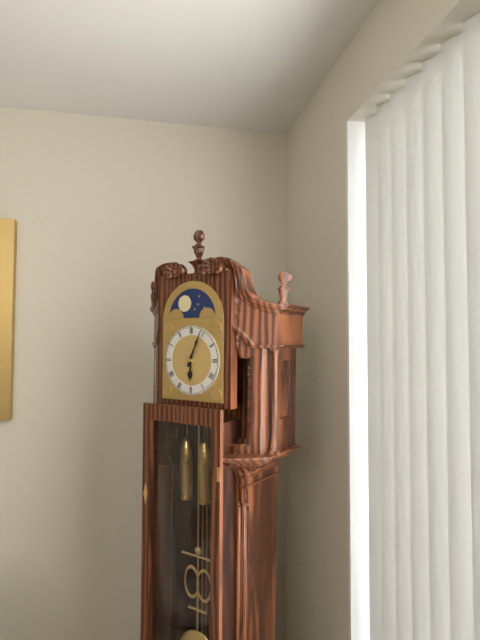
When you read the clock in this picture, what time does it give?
6:04
